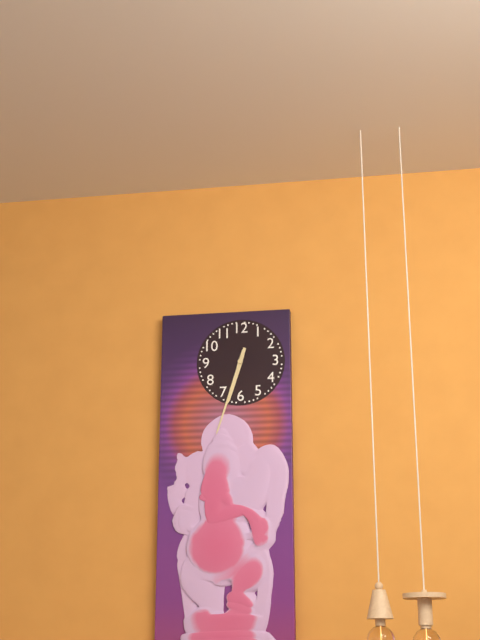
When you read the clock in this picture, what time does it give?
6:33
